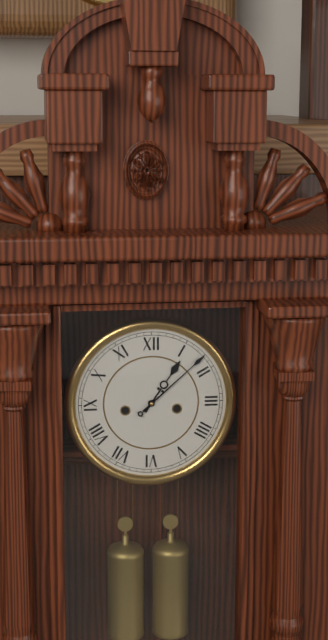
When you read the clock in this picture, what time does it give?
1:08
